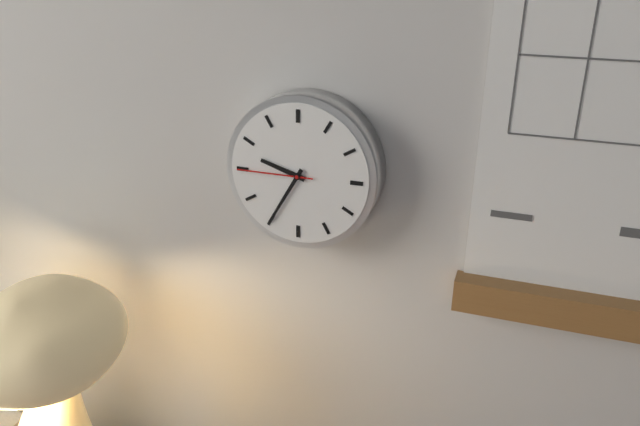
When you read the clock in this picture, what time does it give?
9:35:45
